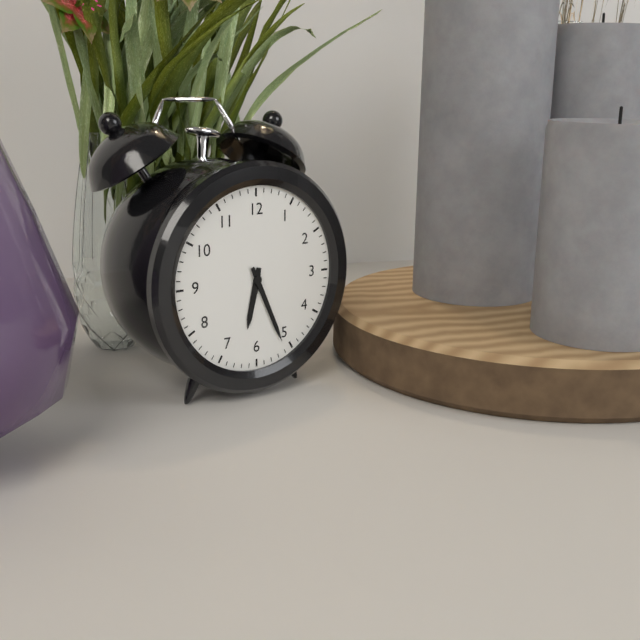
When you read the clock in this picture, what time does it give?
6:26
